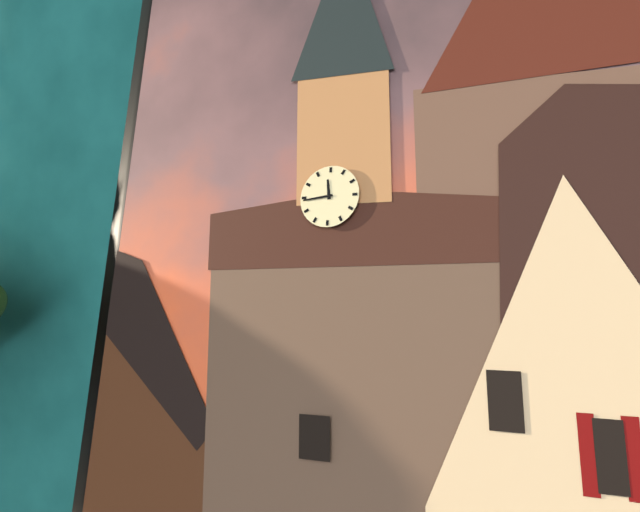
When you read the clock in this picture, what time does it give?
11:44
